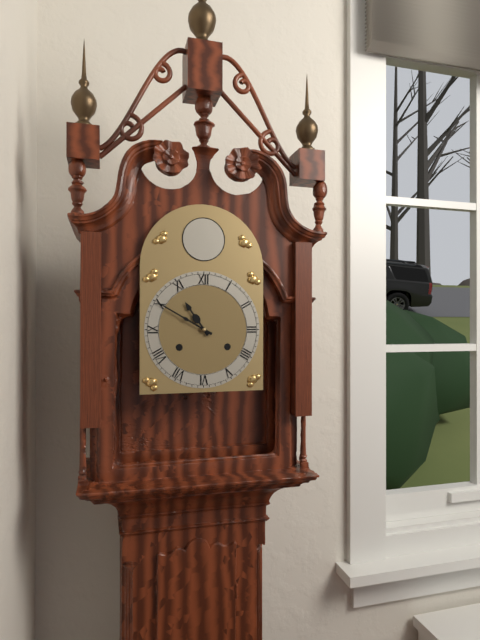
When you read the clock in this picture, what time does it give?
10:50
